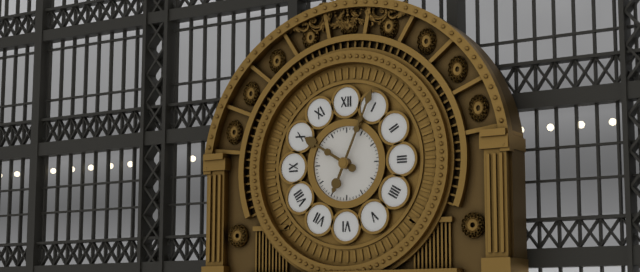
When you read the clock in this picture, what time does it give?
10:04
